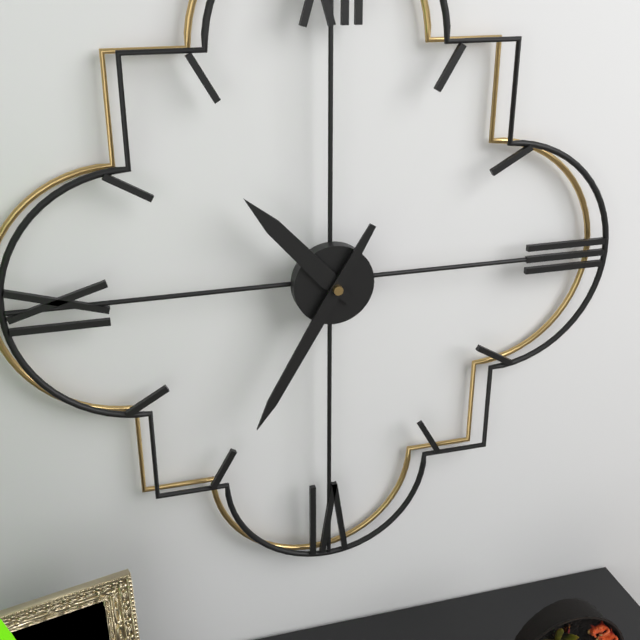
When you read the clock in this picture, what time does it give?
10:35
